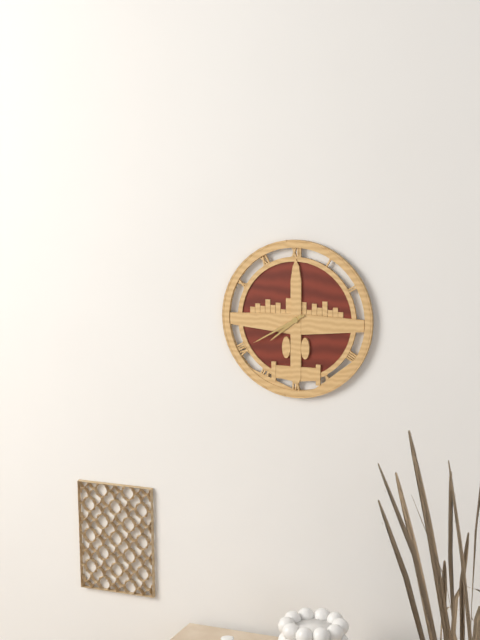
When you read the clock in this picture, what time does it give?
7:40
